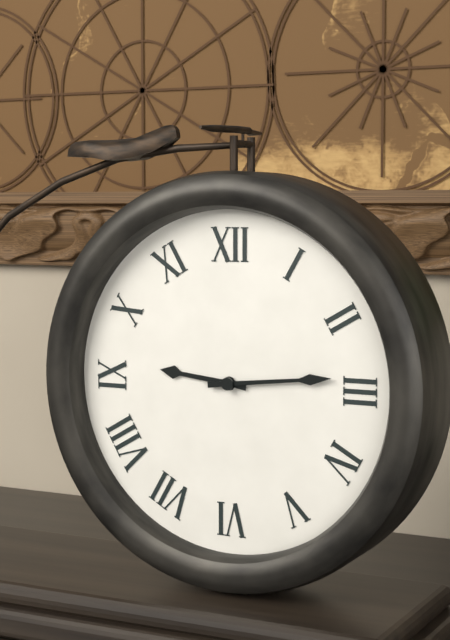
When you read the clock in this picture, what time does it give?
9:14
